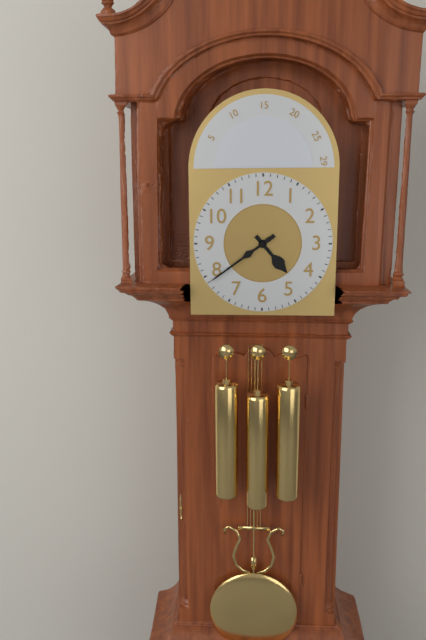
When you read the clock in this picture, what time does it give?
4:39
